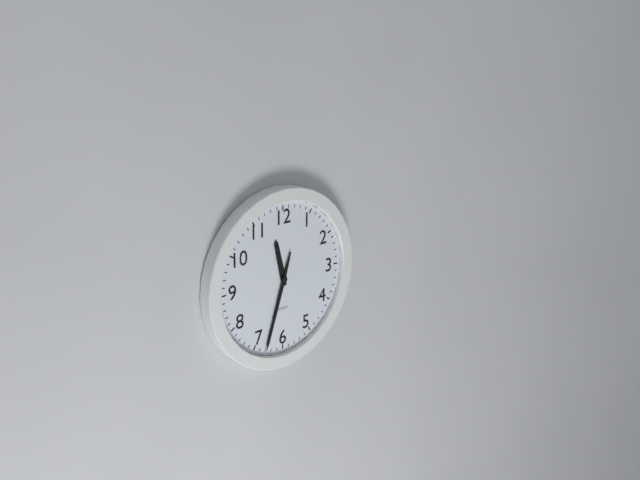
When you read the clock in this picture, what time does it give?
11:33
